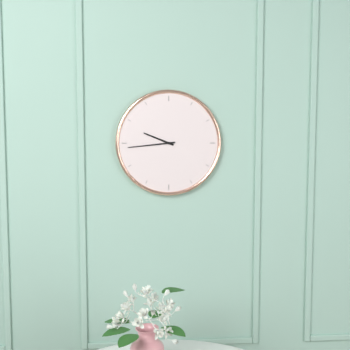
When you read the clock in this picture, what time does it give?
9:44
